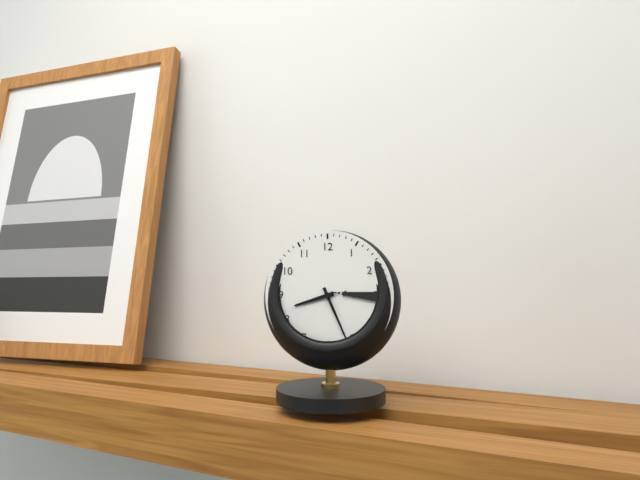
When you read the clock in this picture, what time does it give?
8:26
